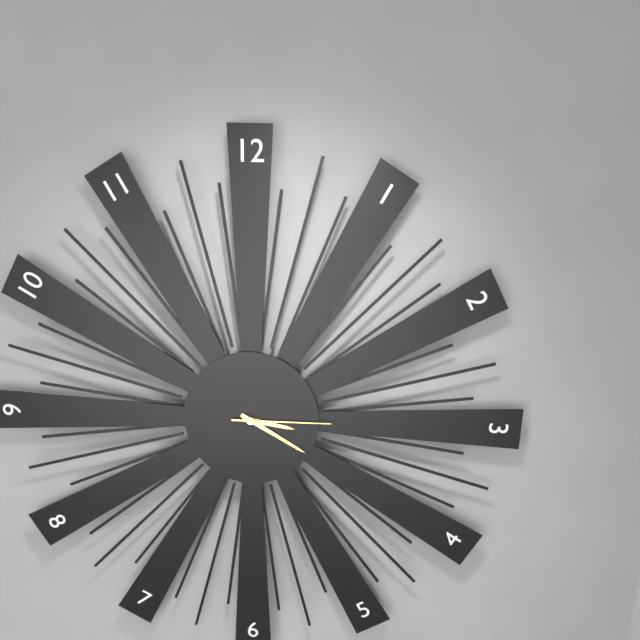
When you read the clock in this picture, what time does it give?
3:20:15
